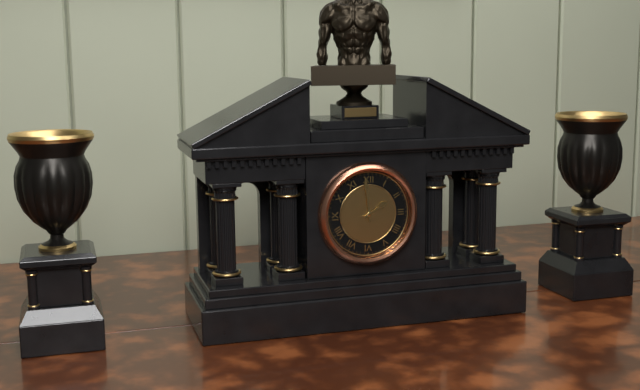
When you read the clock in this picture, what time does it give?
1:59
